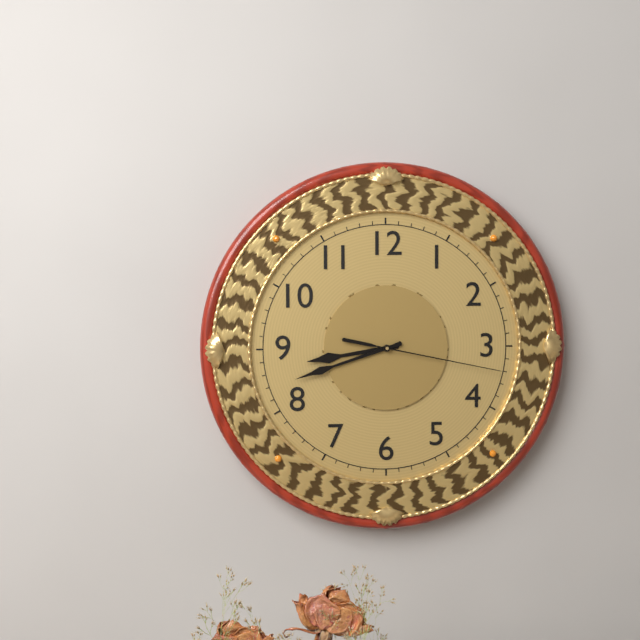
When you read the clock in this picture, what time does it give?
8:42:17
